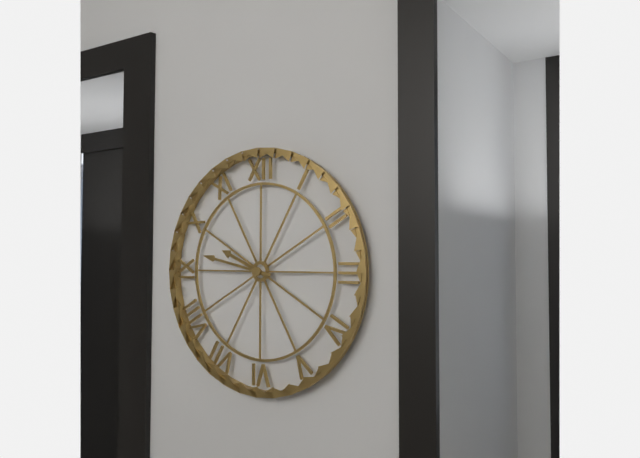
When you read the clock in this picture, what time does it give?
9:47
